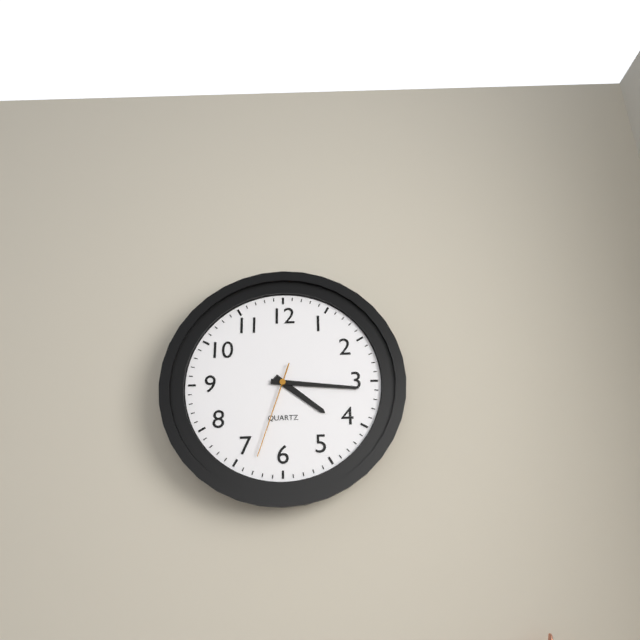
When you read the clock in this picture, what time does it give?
4:16:33
